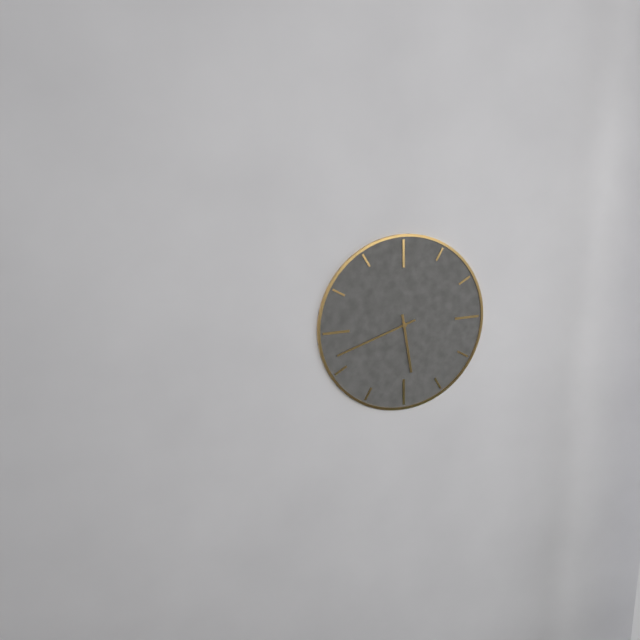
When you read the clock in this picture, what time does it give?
5:42
